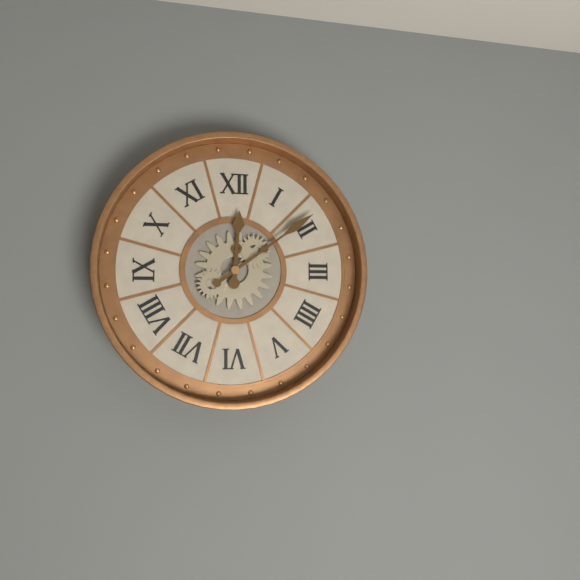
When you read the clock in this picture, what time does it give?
12:09
